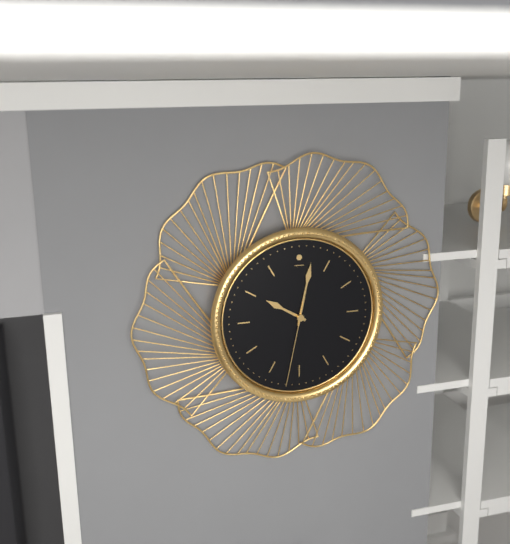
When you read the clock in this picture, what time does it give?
10:02:32
